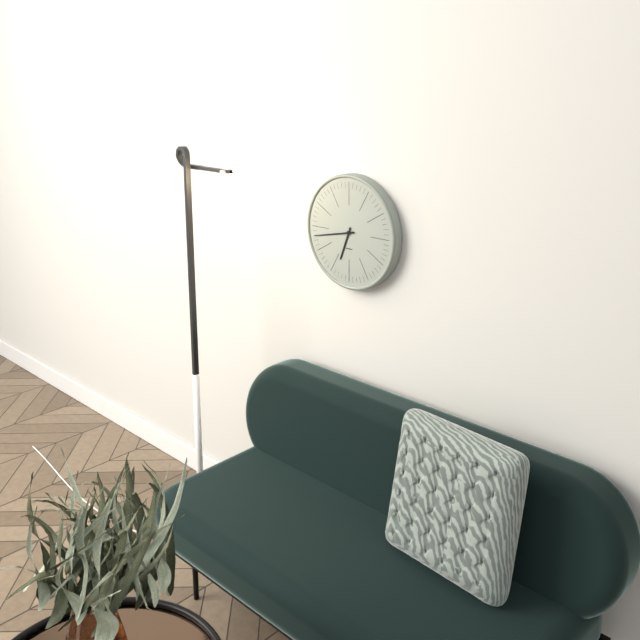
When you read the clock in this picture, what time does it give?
6:43
